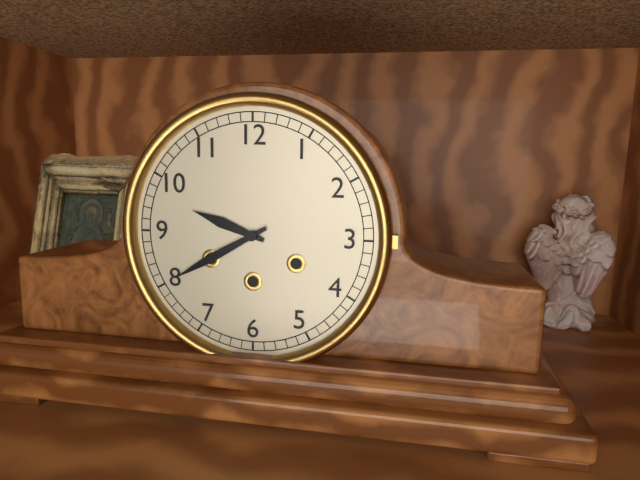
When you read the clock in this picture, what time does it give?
9:40
